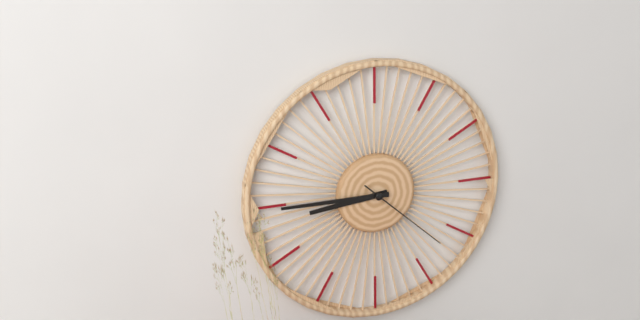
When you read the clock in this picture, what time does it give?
8:45:22
